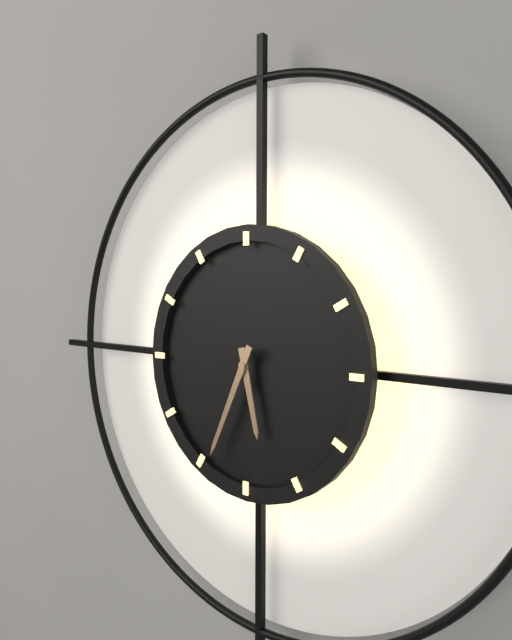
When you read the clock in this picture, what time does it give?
5:34
